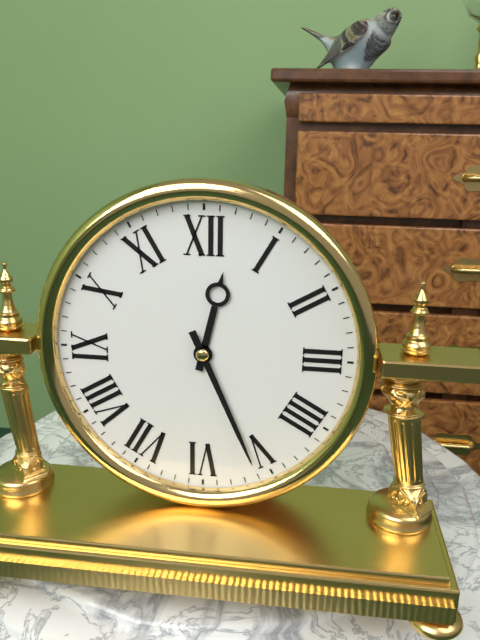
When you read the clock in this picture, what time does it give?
12:26
